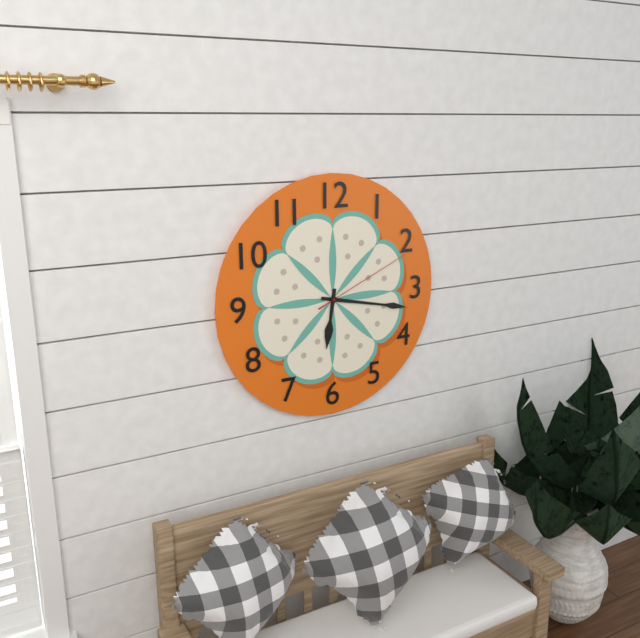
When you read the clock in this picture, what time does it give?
6:17:11
